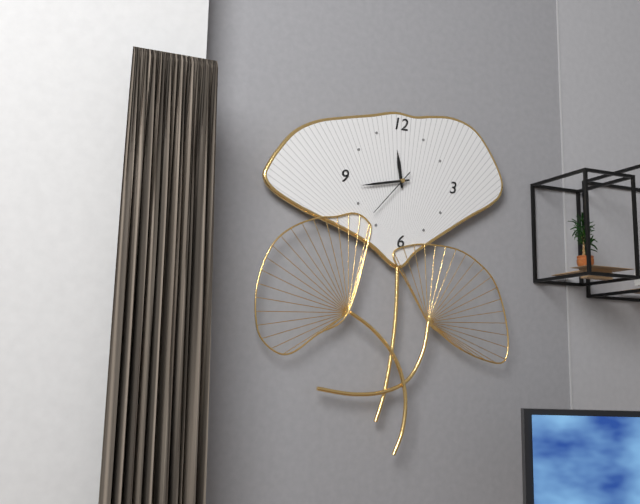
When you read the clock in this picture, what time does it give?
11:43:37
